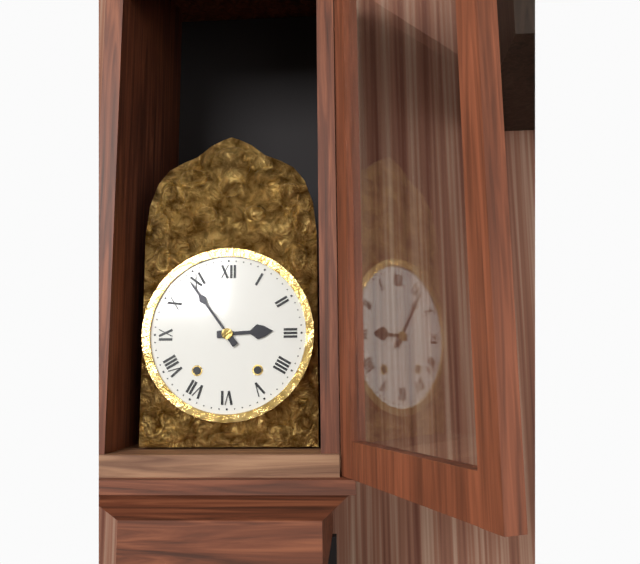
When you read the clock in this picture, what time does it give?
2:54
